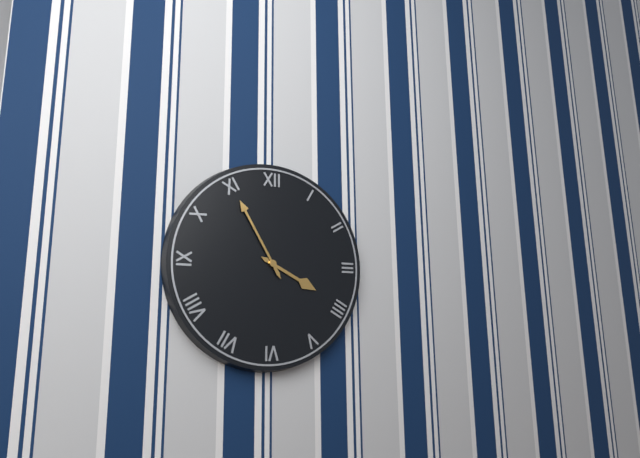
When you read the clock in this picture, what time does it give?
3:55
